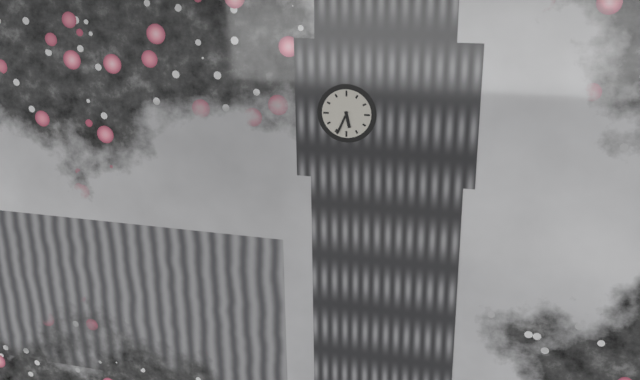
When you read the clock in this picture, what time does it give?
5:34
